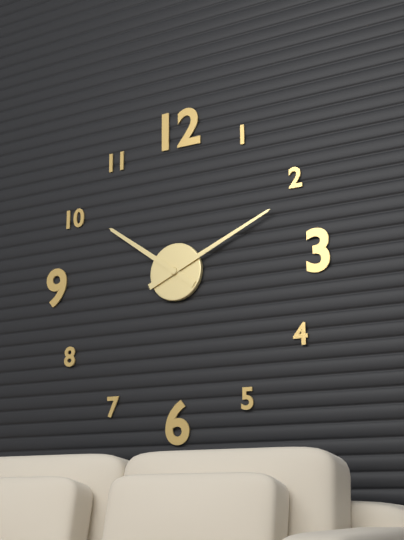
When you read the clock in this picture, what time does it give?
10:11
